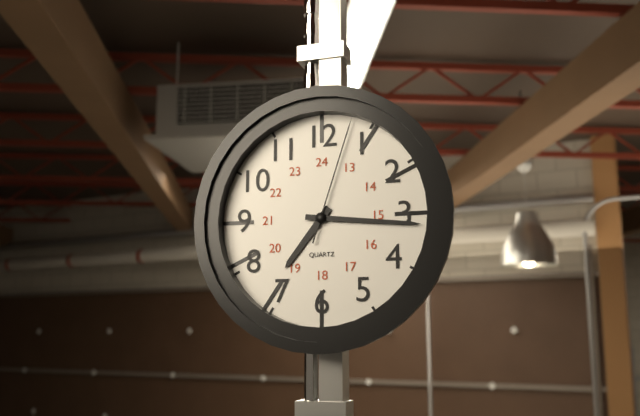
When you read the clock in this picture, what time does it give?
7:16:03
